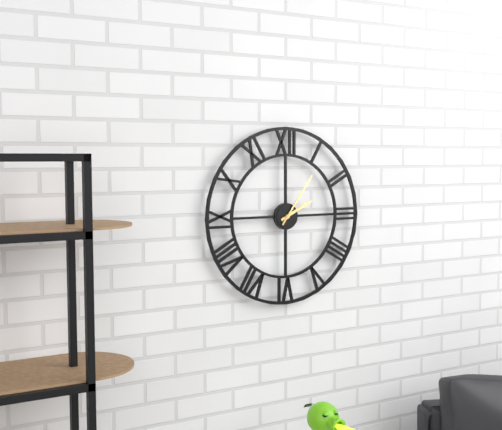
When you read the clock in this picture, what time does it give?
2:06
